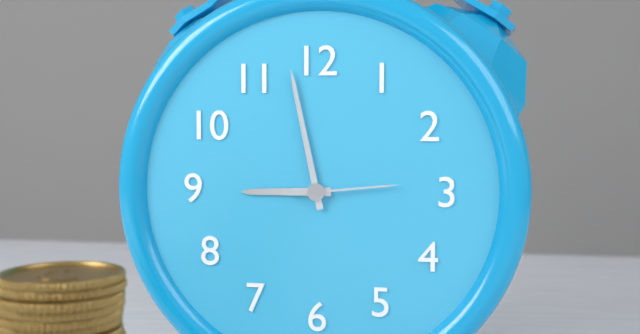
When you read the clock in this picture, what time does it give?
8:58:14
